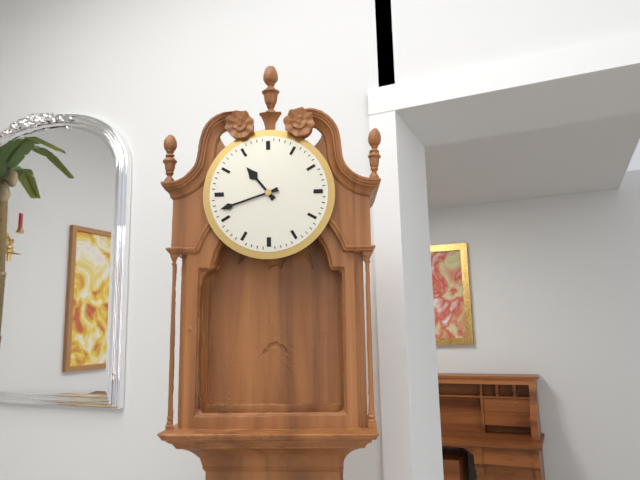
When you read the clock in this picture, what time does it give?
10:42
